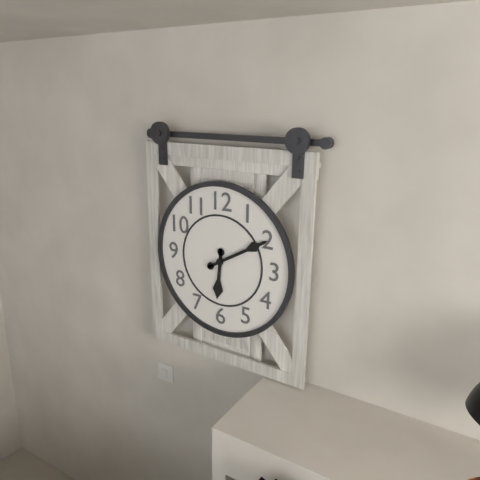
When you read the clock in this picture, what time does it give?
6:10
